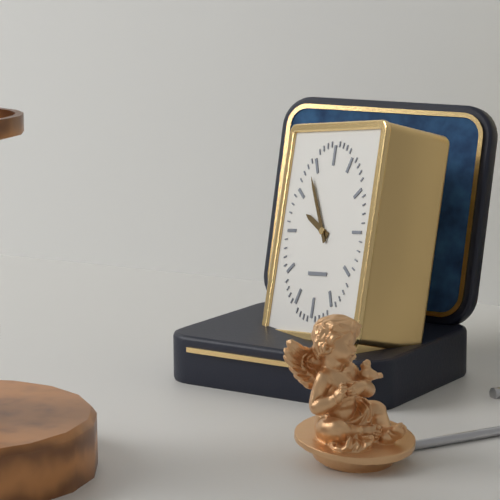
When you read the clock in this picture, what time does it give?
9:55
